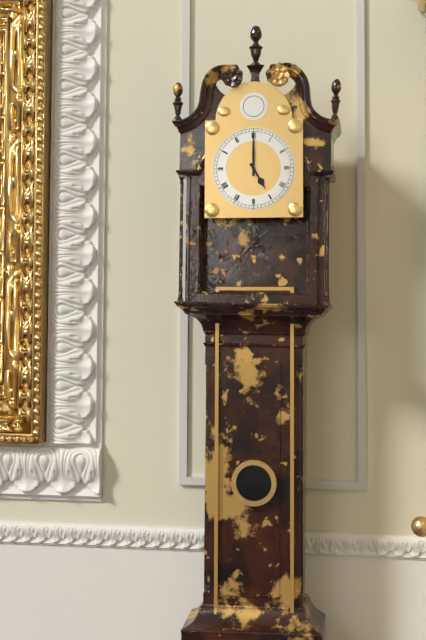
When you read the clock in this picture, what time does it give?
5:00
